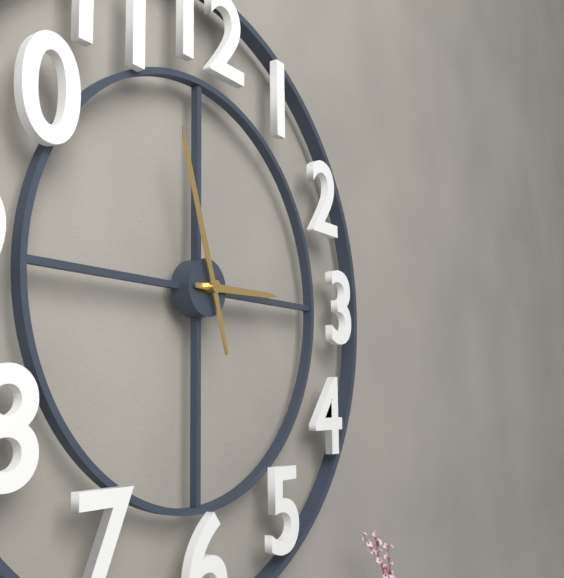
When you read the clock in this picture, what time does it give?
2:57
